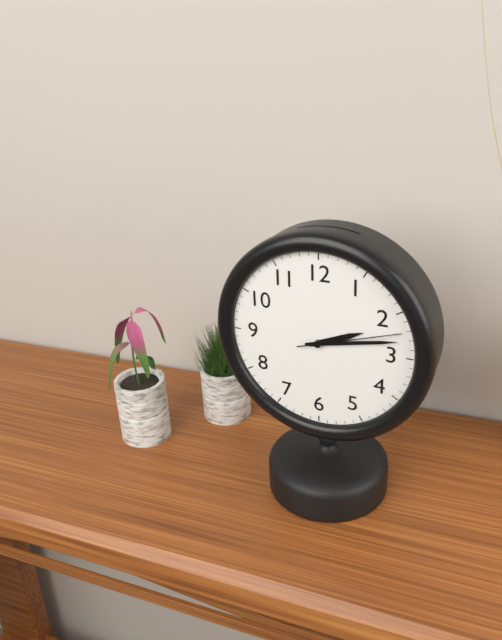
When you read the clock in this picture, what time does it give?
2:13:12
